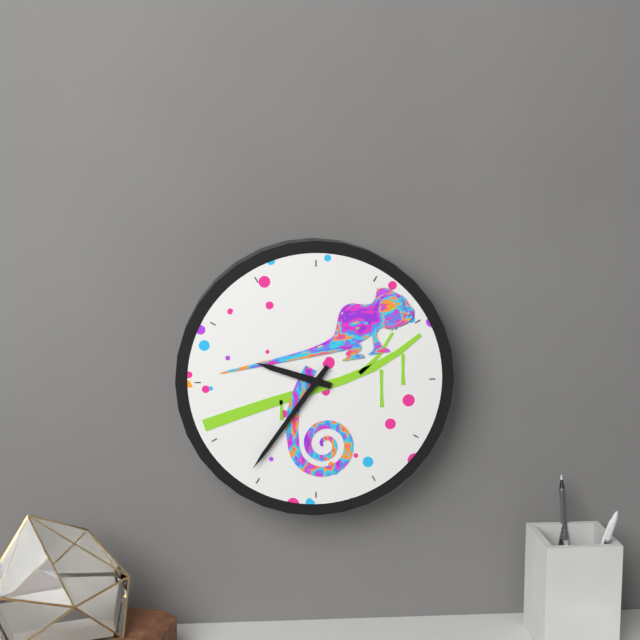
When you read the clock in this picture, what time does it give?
9:36
